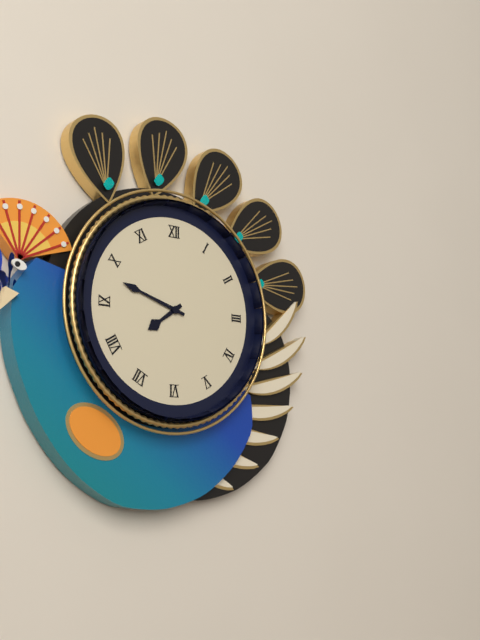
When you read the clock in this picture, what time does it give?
7:48
